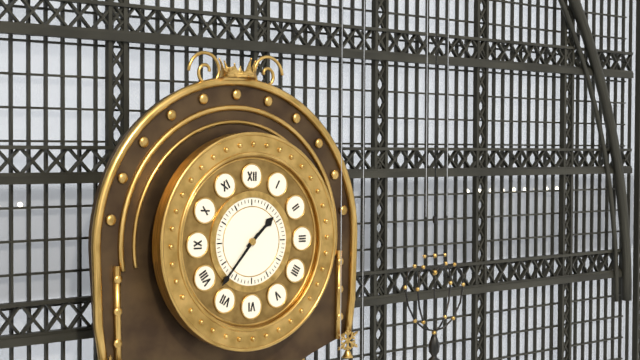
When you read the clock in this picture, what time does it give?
1:37
